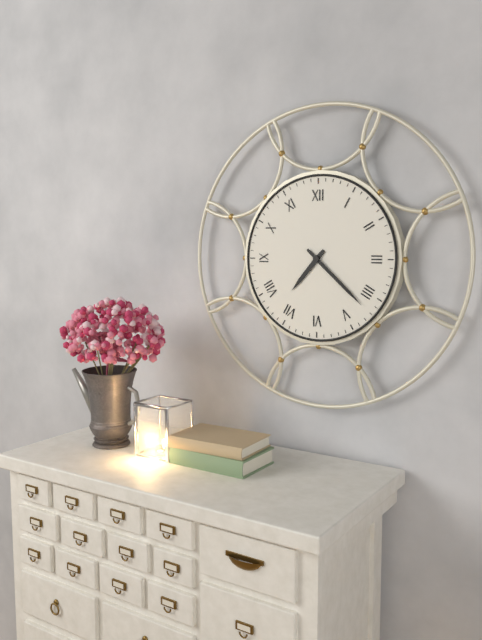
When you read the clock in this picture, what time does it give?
7:22
